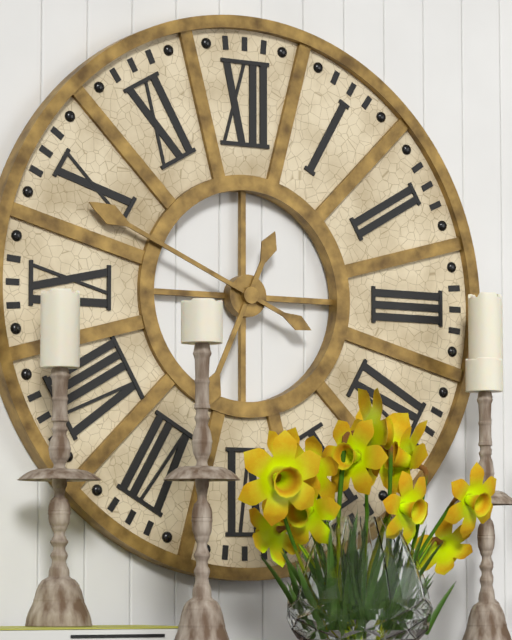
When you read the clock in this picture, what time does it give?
6:49
